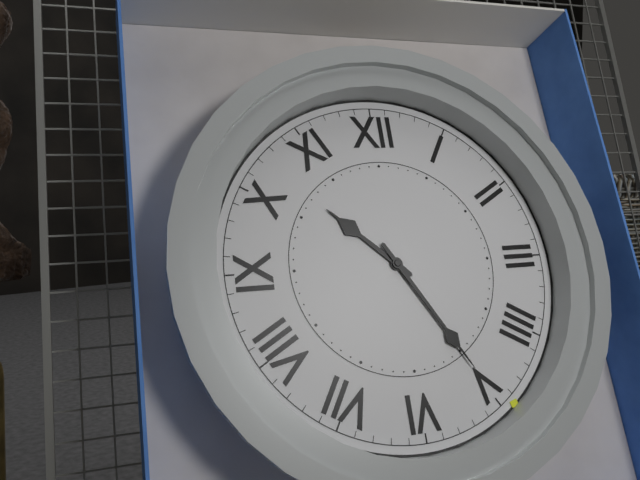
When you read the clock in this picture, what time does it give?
10:25
